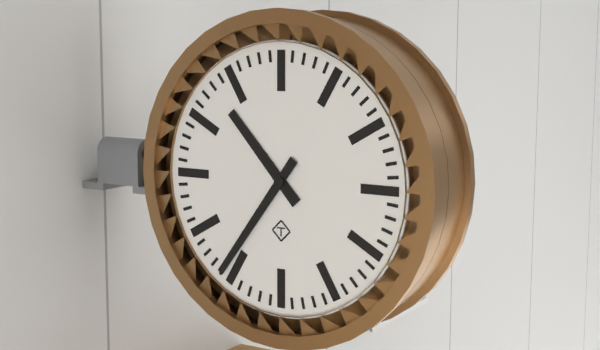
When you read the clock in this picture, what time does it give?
10:36
